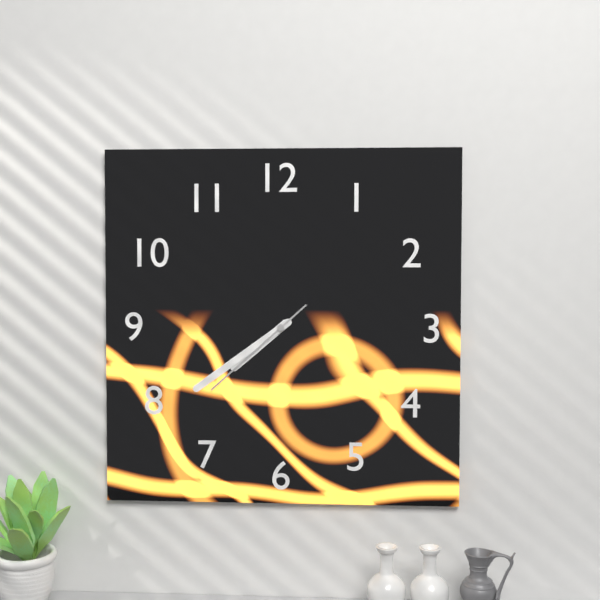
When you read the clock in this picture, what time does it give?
7:39:38
